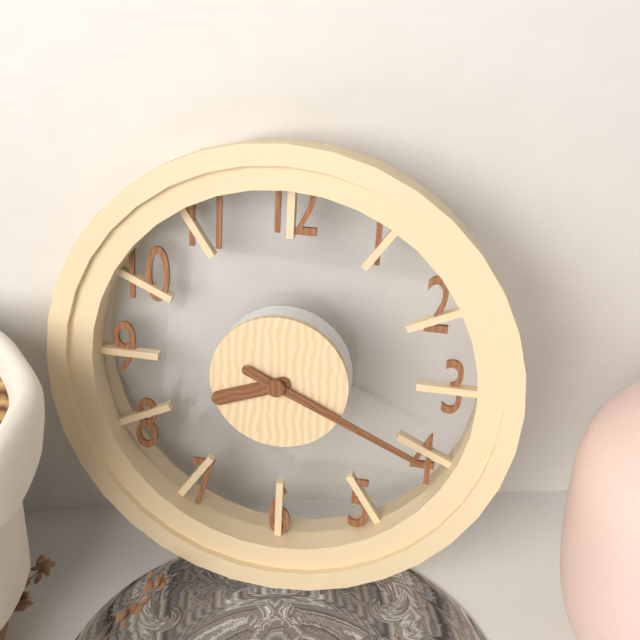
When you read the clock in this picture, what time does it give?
8:19
